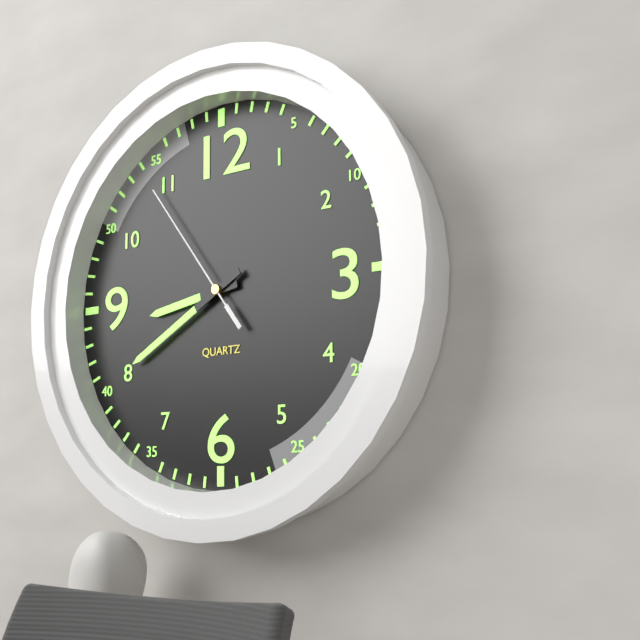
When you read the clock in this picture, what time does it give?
8:40:54
